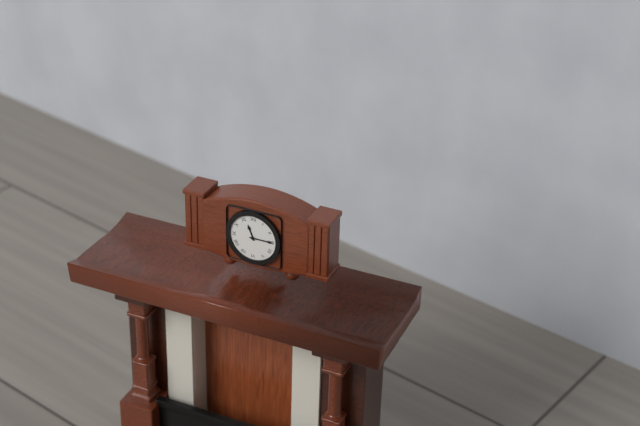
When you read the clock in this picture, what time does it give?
11:15
